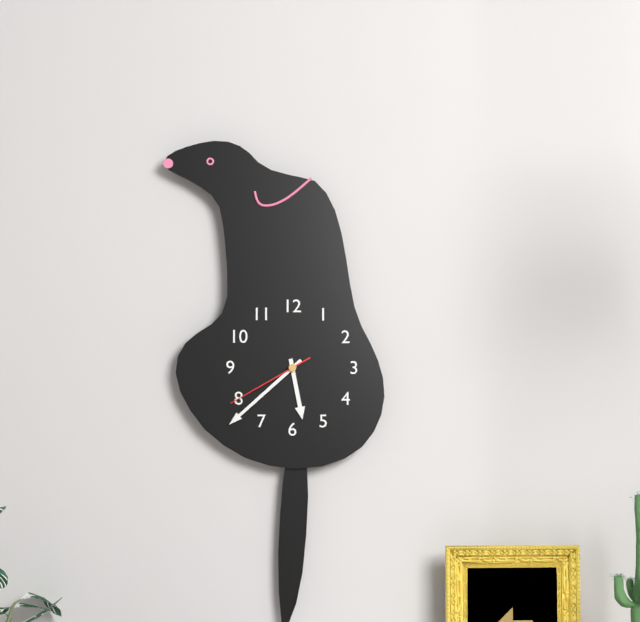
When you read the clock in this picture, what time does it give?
5:38:40
